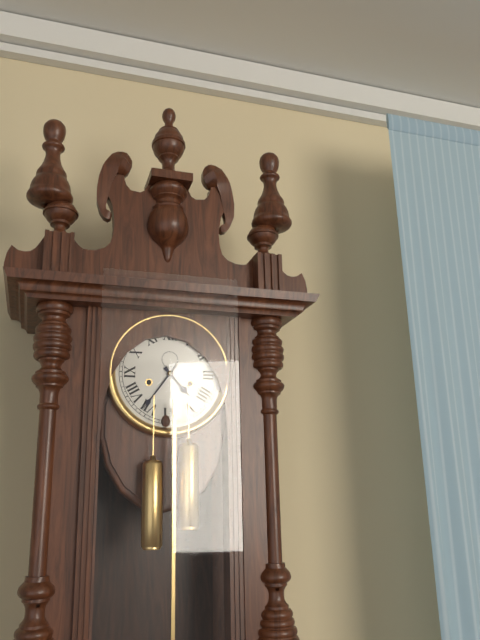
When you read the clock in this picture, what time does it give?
4:36
